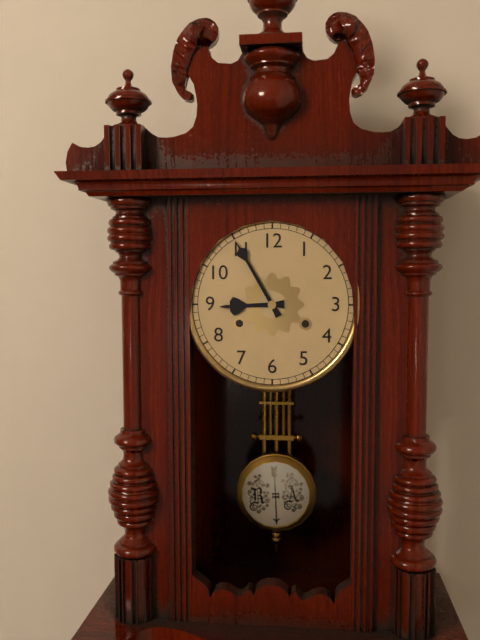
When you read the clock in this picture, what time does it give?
8:55
